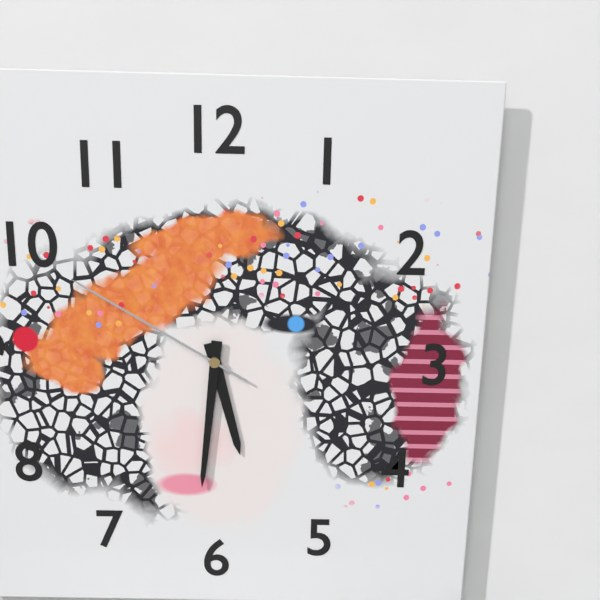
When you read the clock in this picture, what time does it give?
5:31:50
